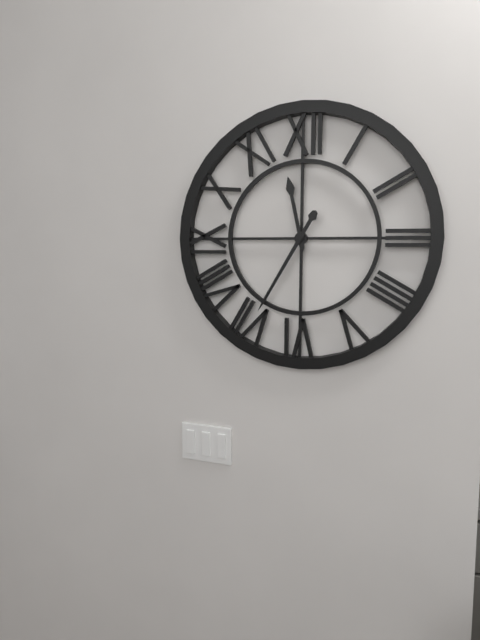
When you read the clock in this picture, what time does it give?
11:35
